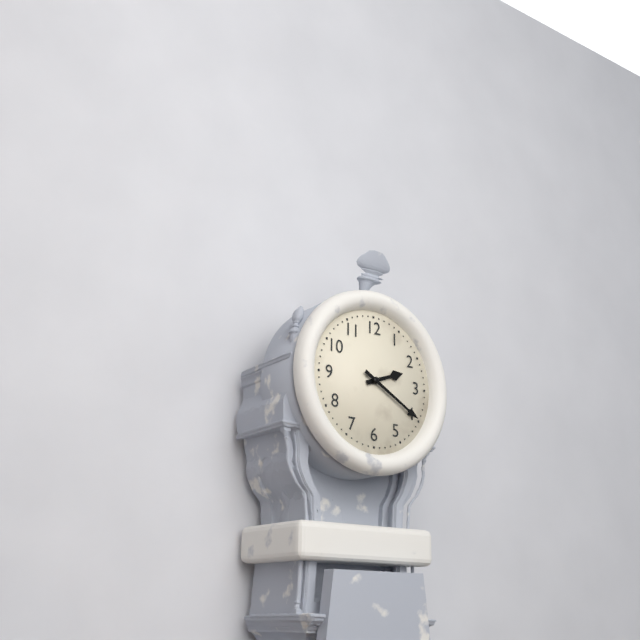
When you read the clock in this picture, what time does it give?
2:20
